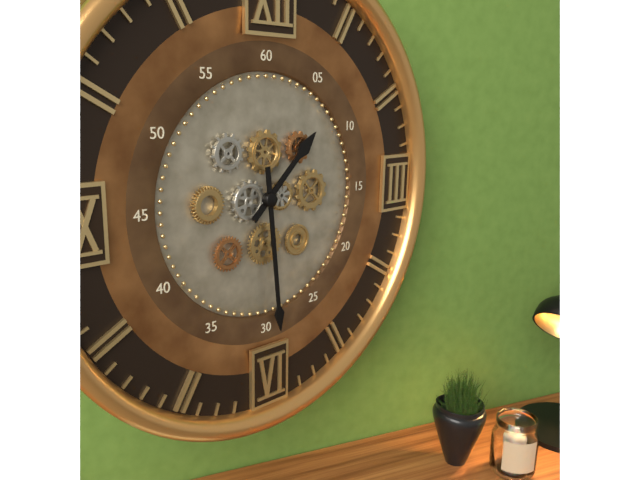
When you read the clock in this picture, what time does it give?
1:29
